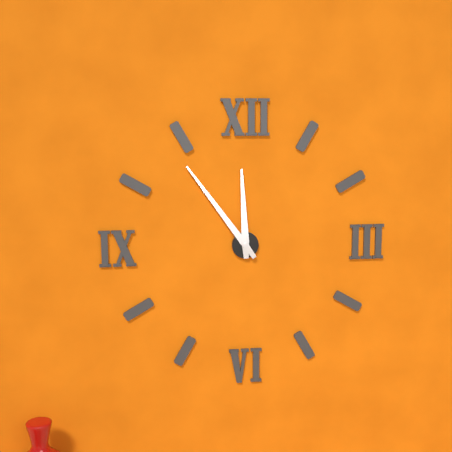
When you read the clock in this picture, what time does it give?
11:54
